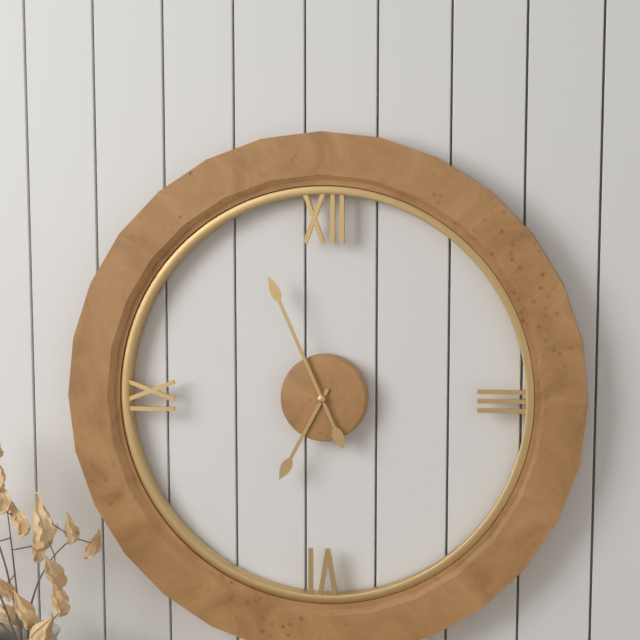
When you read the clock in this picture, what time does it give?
6:56
